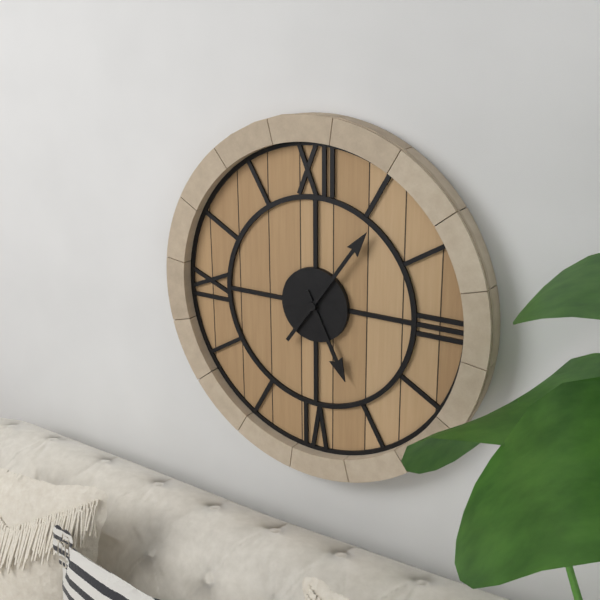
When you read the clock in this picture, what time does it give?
5:06
